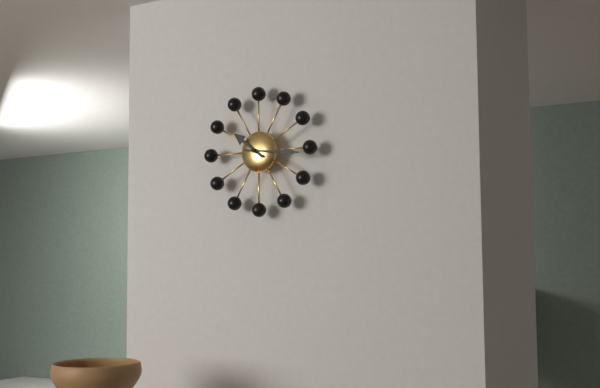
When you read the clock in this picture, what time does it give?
10:16
